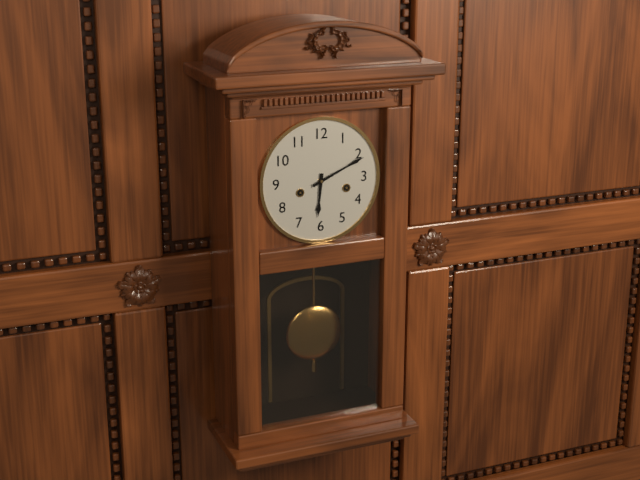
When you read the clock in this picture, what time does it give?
6:11
